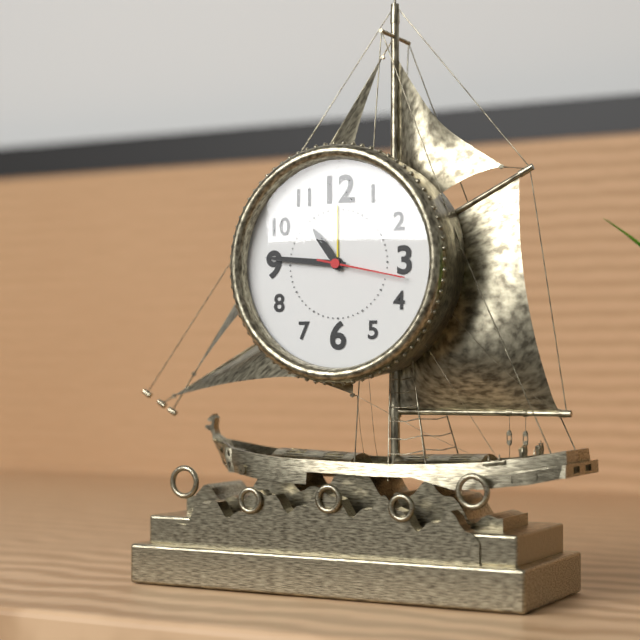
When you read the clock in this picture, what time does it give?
10:46:17
